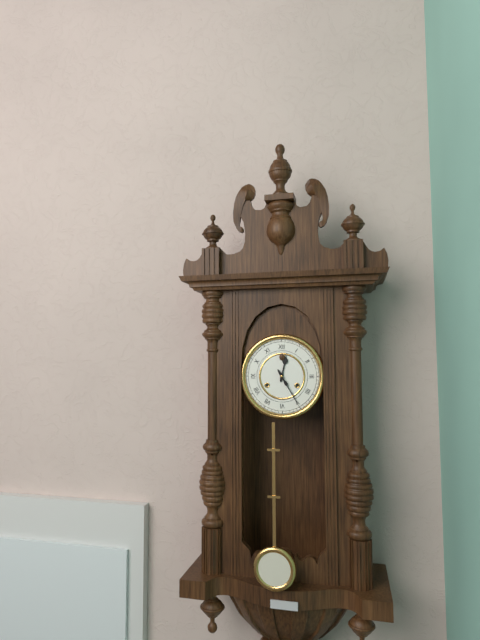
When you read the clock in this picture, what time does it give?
12:25
